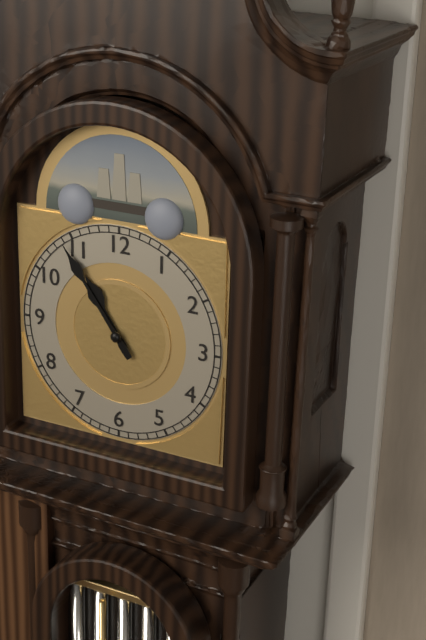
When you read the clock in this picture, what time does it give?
10:54
